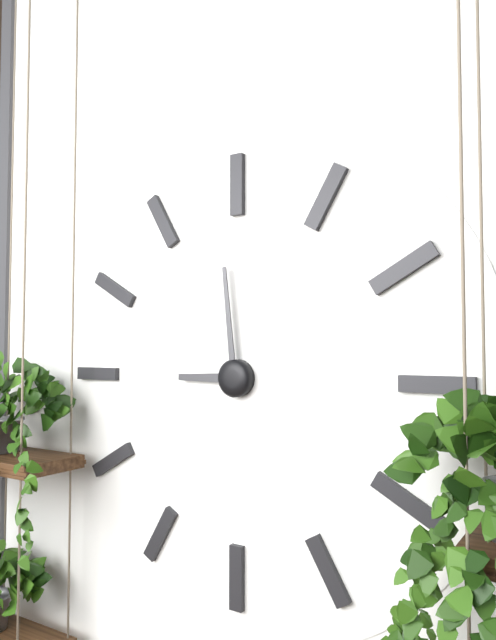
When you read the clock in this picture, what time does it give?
8:59
